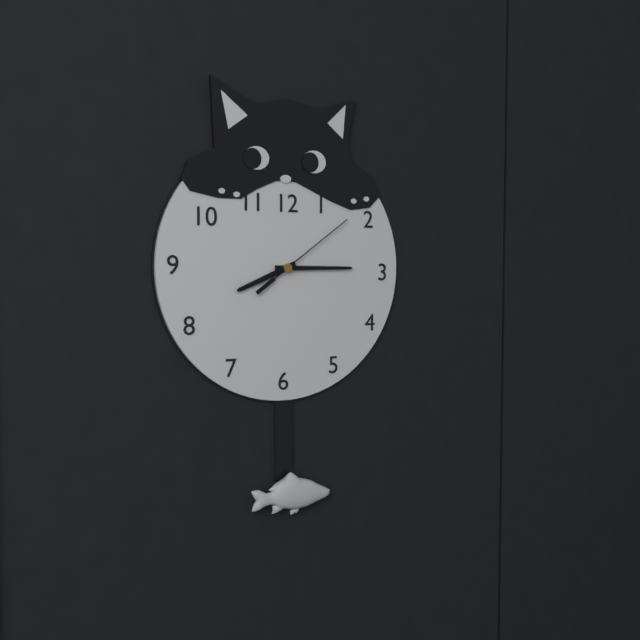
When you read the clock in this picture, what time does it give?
8:15:09
